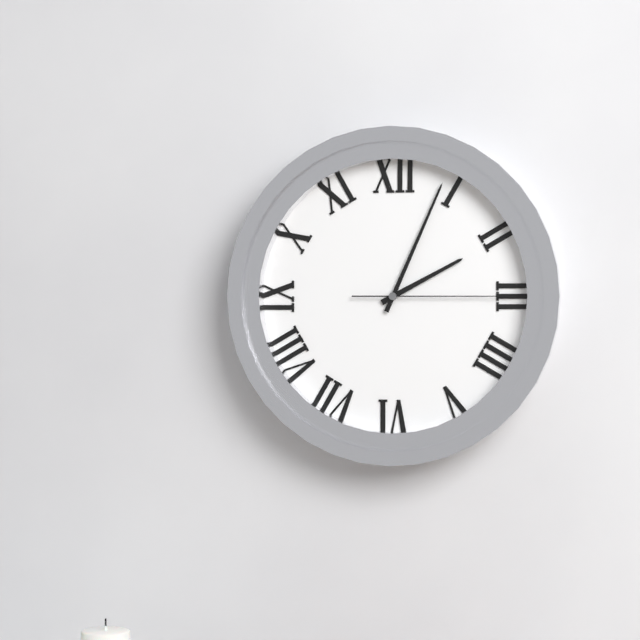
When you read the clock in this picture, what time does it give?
2:04:15
